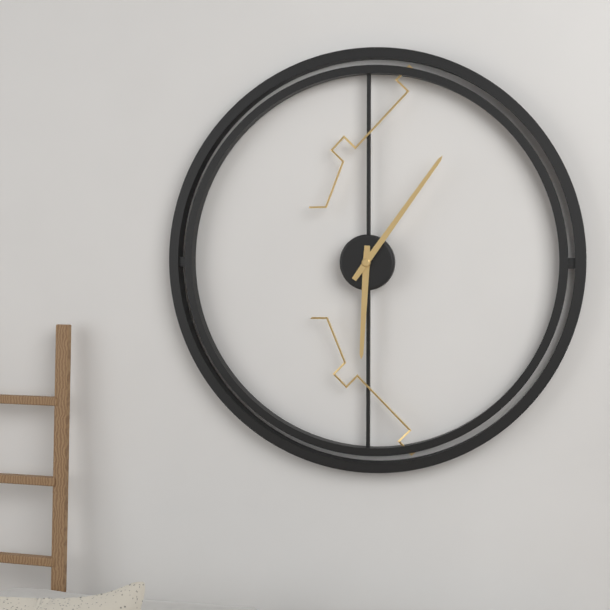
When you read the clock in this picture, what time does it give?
6:06
